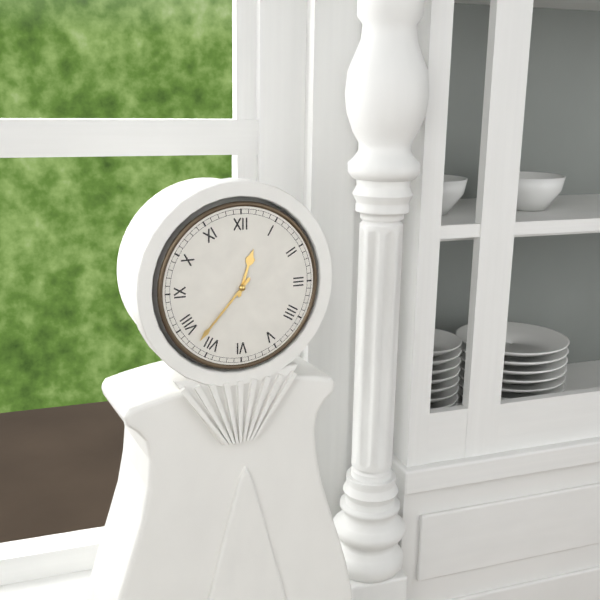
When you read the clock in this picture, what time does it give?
12:37
